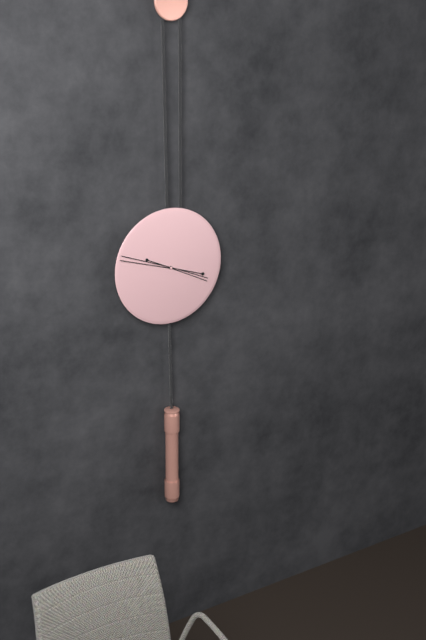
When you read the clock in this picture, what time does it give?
3:48
